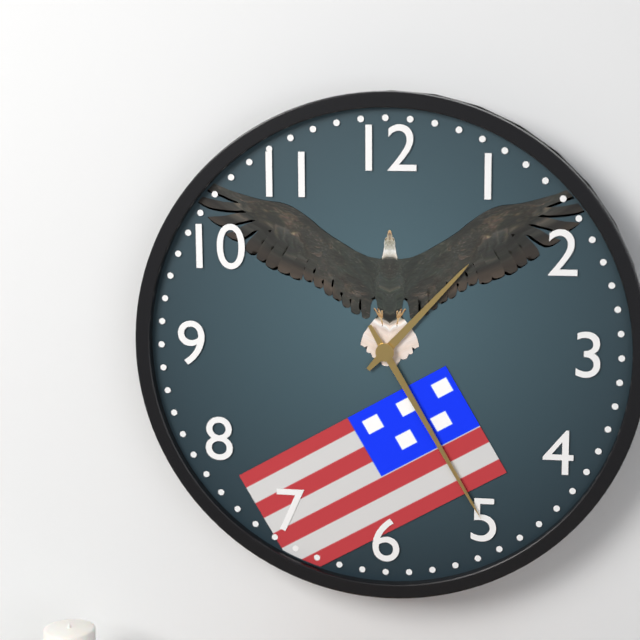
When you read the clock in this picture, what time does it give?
1:25
